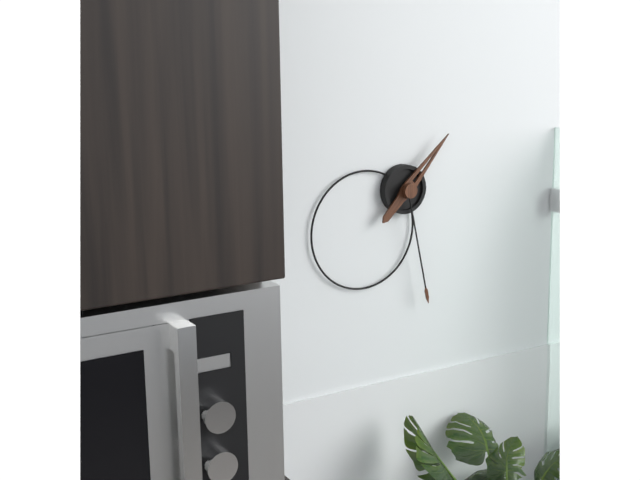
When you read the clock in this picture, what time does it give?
1:28
